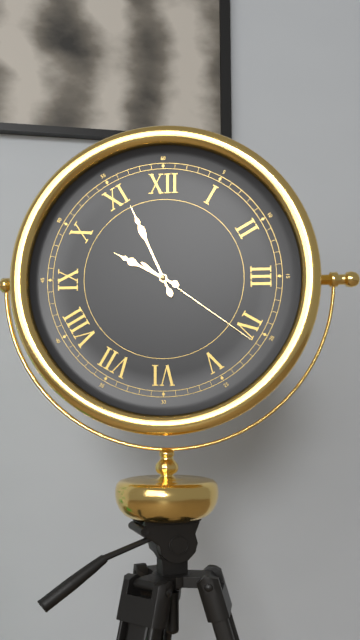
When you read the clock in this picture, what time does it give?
9:56:21
